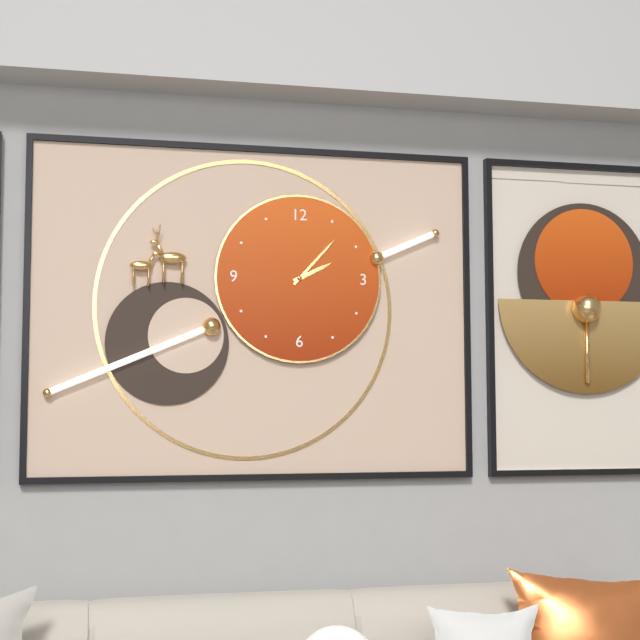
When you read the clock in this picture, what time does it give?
2:07
